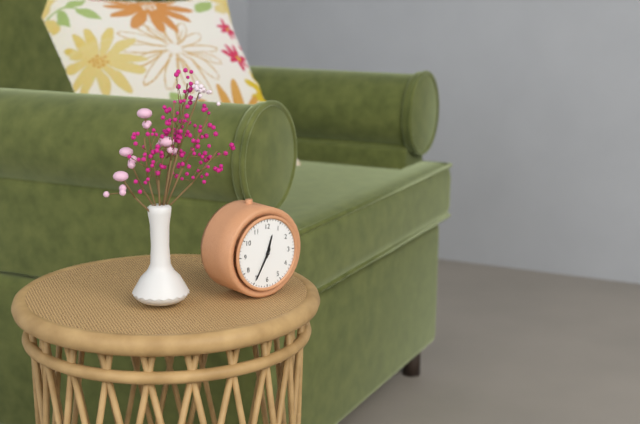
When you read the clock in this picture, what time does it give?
12:35
